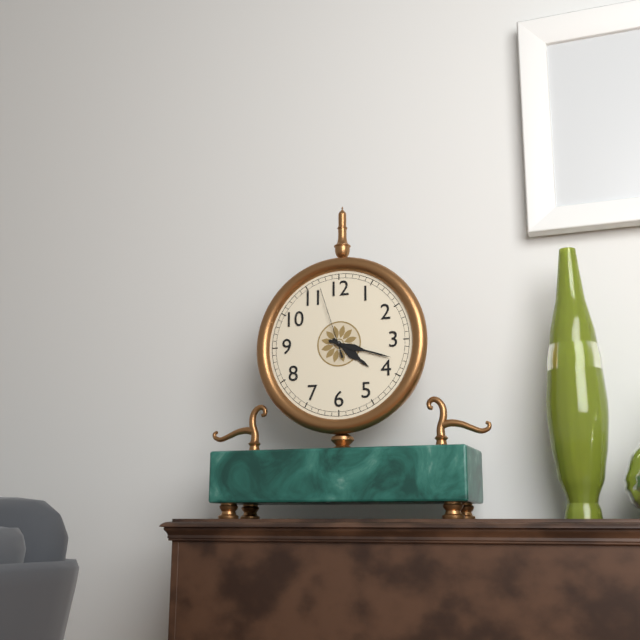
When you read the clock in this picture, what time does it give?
4:18:57
